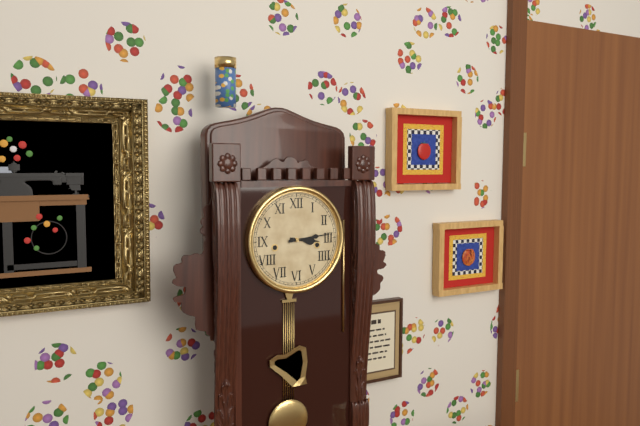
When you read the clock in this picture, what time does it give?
3:14
